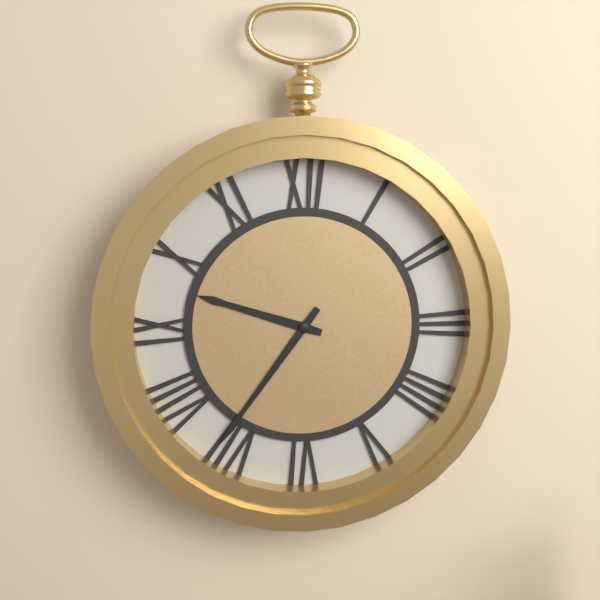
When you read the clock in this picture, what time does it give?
9:36
